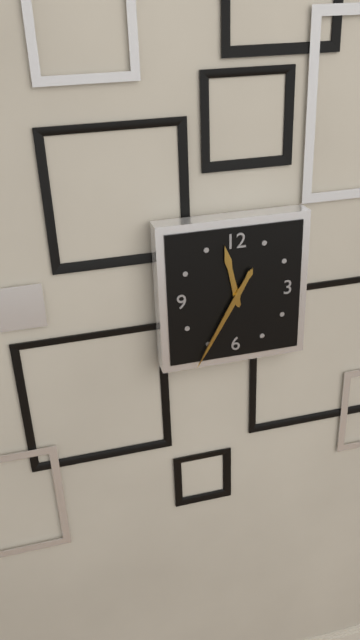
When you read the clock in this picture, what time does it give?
11:35
